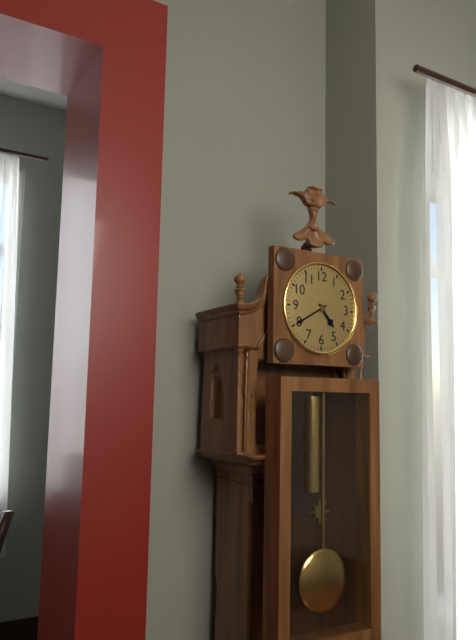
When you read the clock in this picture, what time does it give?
4:40
